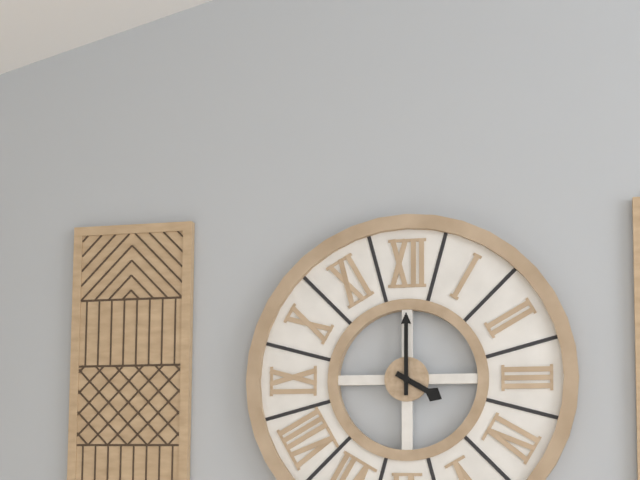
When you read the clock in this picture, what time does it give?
4:00
